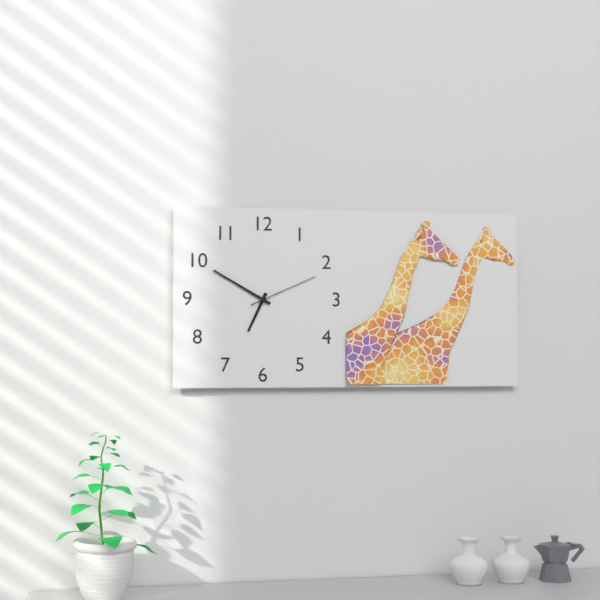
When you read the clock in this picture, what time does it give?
6:50:11
